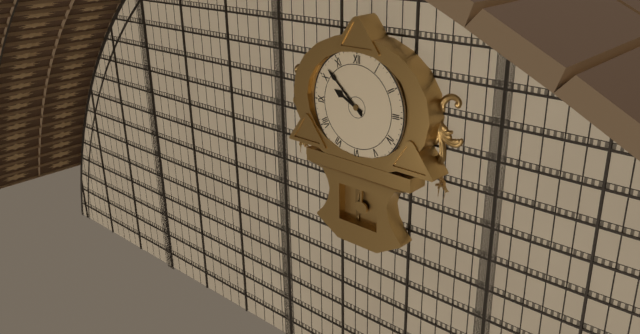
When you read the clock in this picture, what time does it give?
9:52
